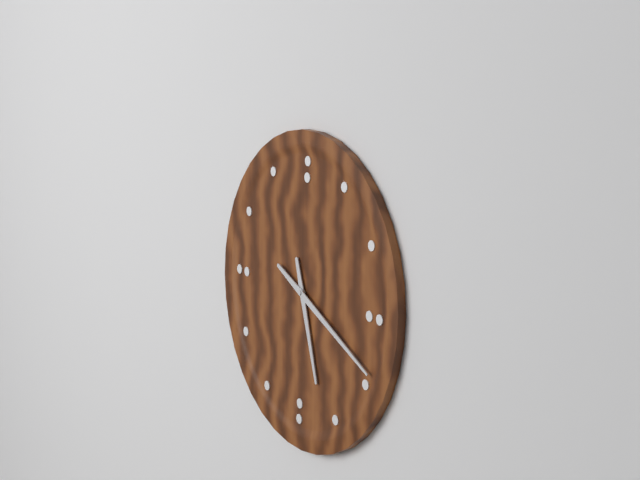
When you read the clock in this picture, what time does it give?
5:19
